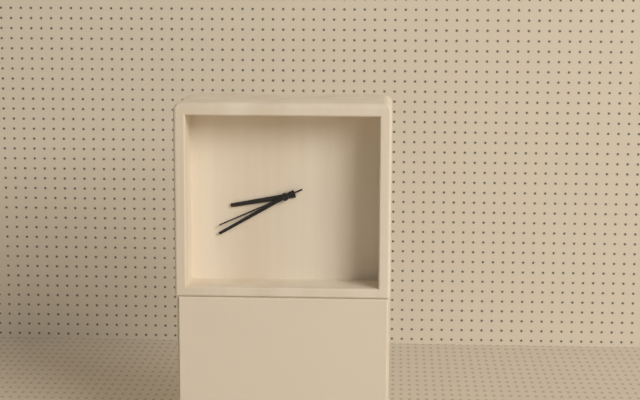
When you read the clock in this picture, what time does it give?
8:40:41
